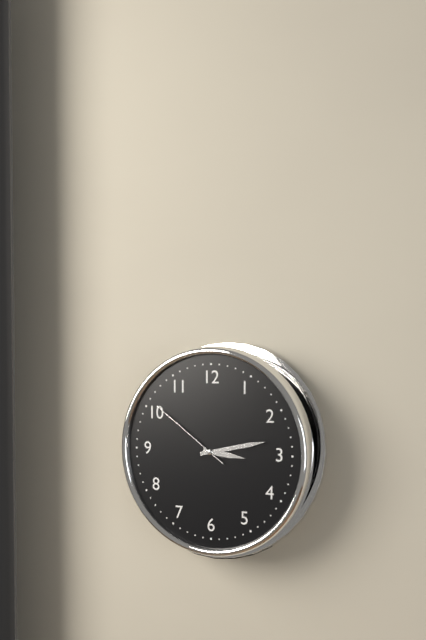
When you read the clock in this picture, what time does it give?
3:13:51
